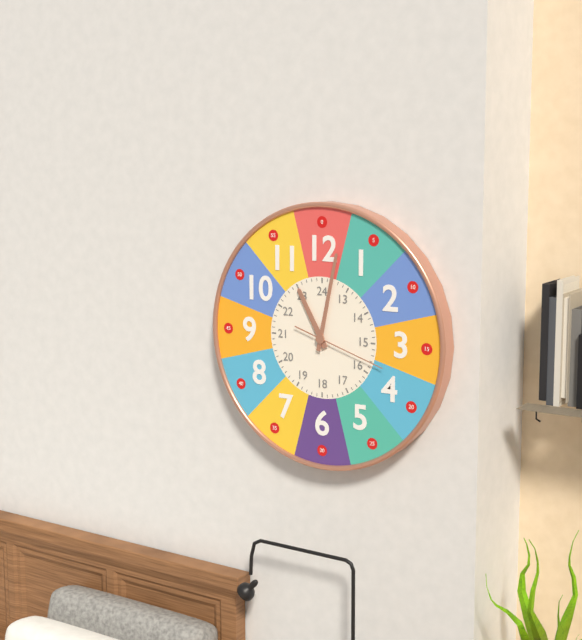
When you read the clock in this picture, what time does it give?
11:02:18
